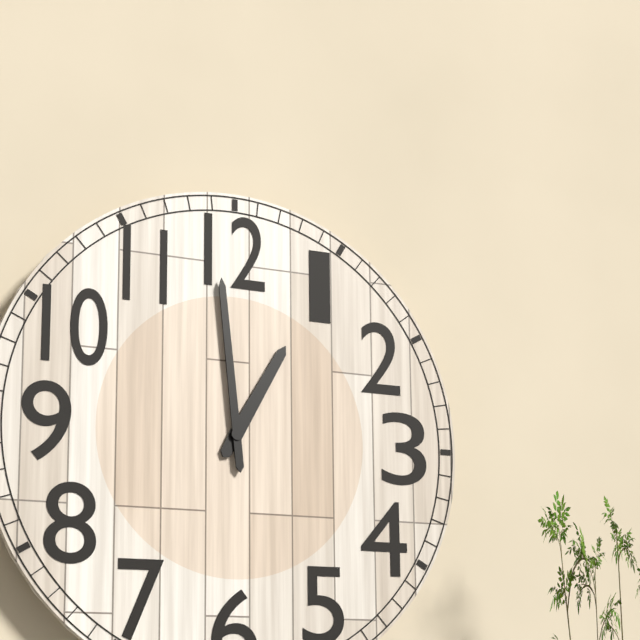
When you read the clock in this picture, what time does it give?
12:59
